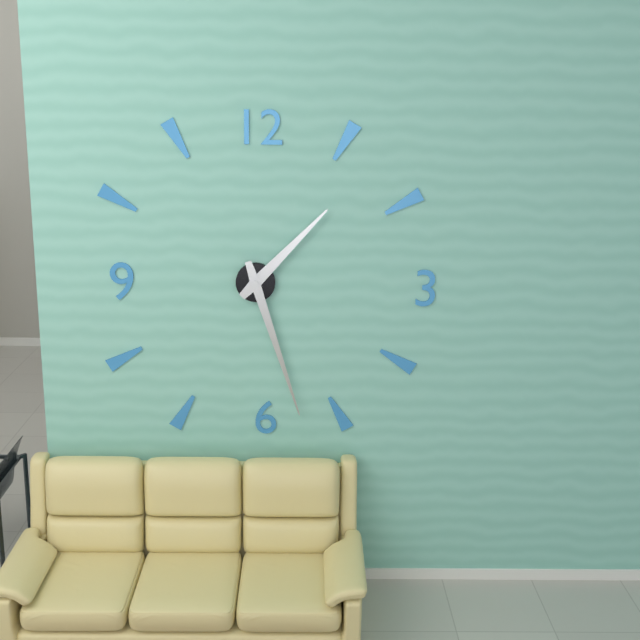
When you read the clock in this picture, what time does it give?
1:27
